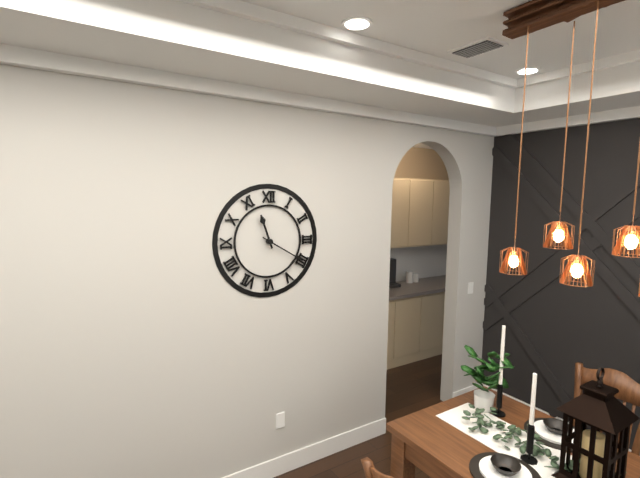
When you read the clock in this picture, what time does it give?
11:20
